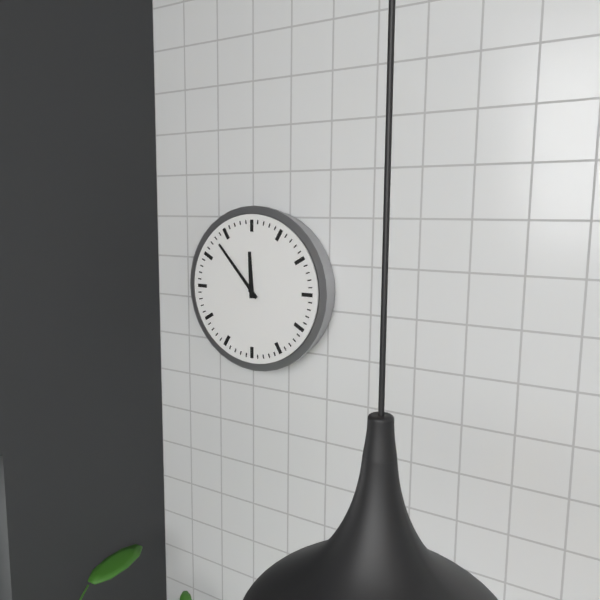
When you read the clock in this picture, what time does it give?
11:53
